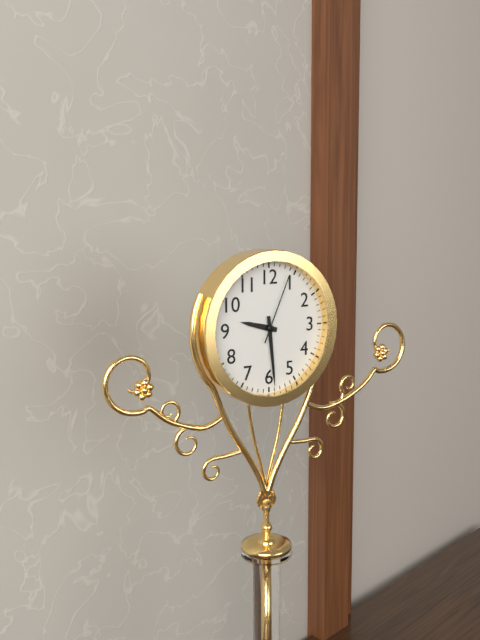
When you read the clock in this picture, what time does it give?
9:29:04
